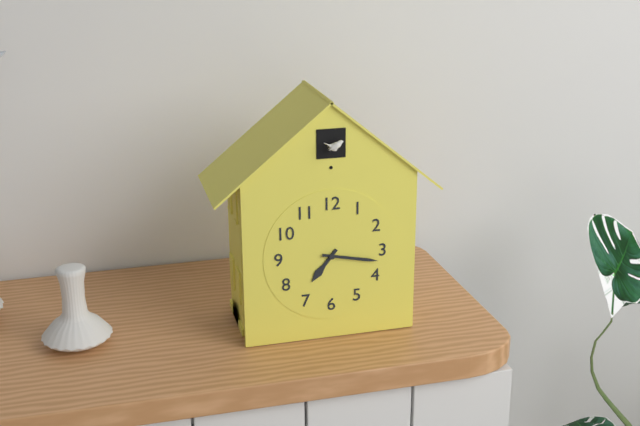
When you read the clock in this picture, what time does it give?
7:17
